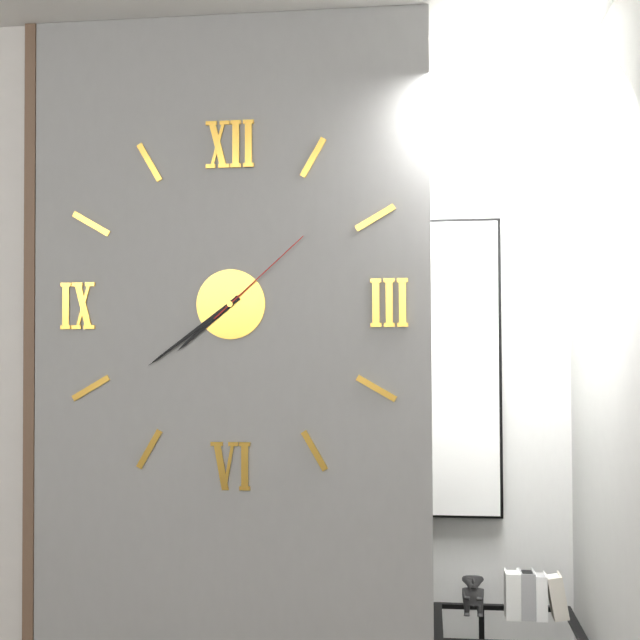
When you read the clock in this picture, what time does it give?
7:39:08
